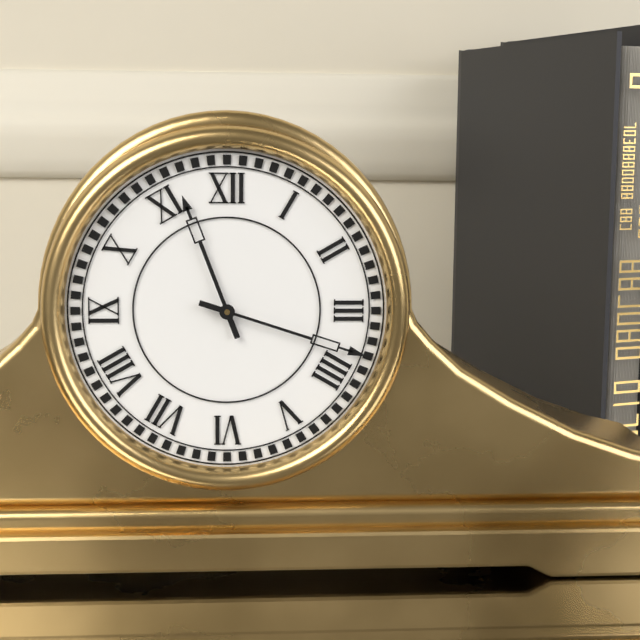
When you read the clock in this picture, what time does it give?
11:18
